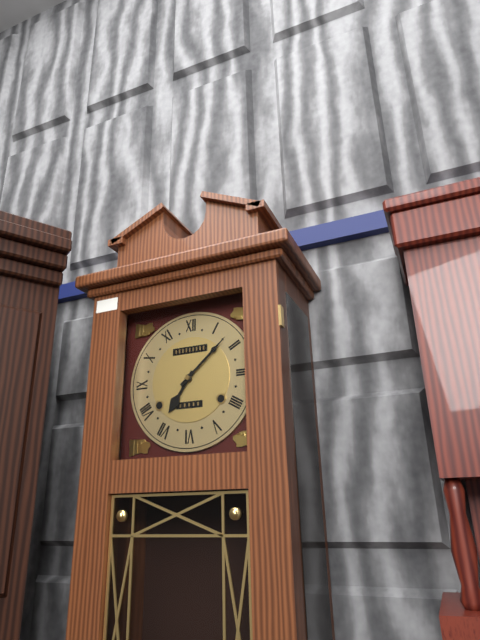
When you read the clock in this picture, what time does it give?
7:08
